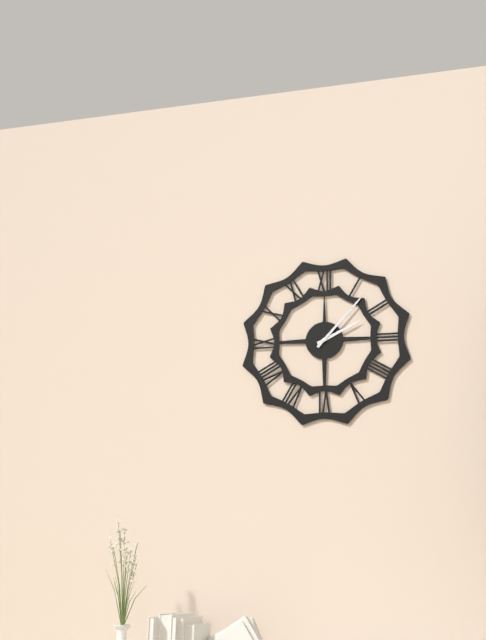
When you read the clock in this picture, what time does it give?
2:07
